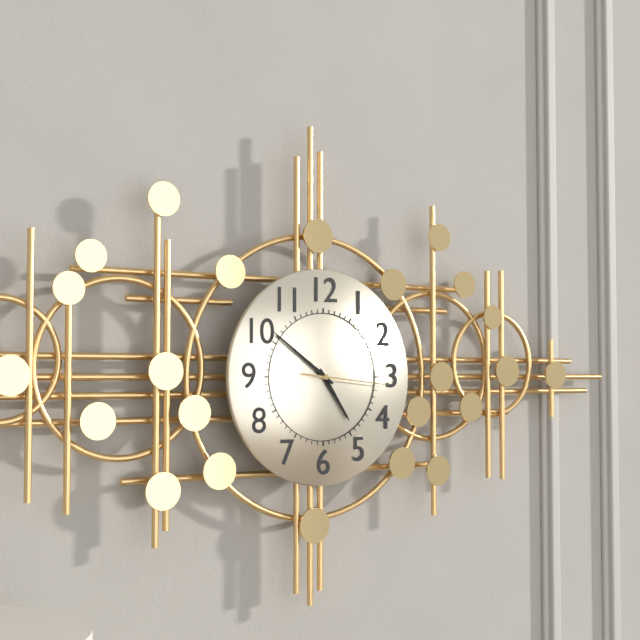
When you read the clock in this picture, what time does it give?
4:51:16
